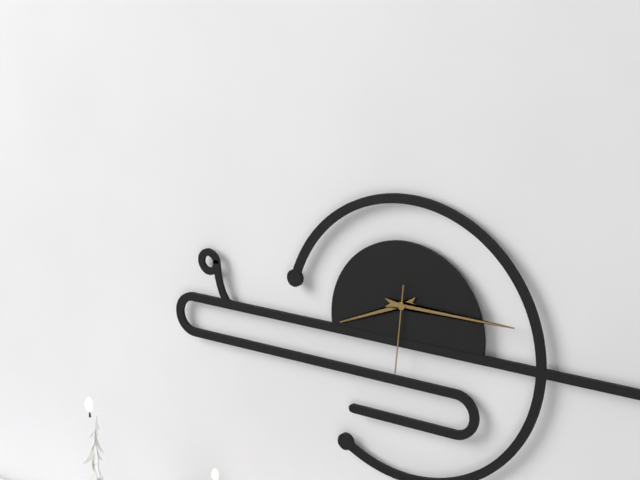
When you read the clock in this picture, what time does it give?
8:15:31
